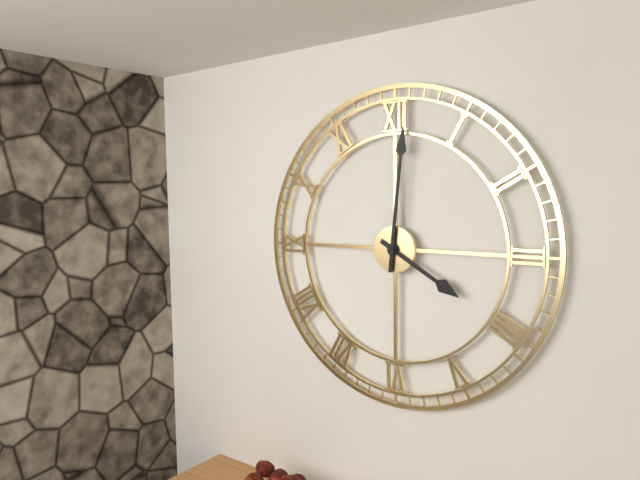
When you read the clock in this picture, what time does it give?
4:01
